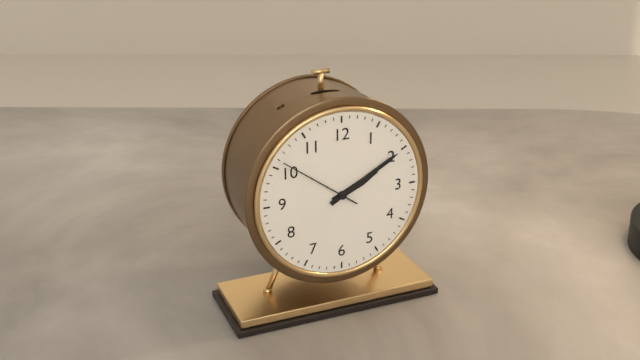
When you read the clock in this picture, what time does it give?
2:10:51
